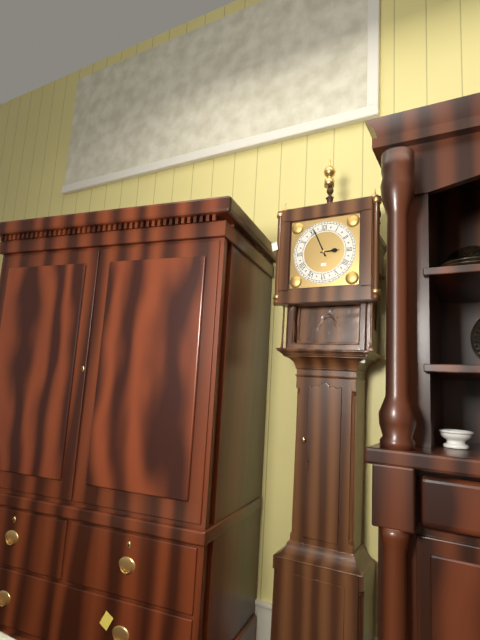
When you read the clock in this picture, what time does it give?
2:56
